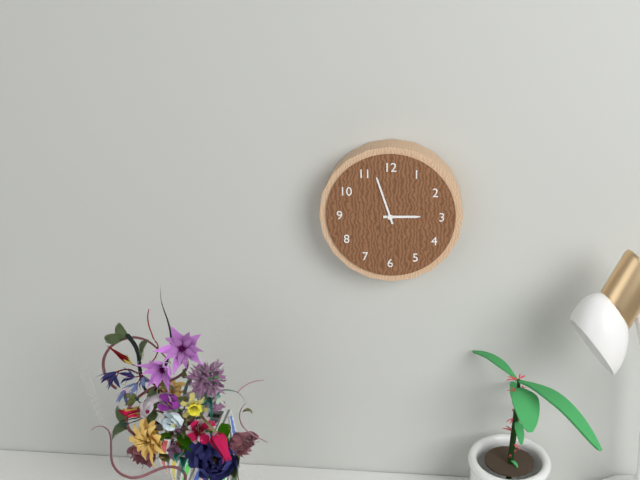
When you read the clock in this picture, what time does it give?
2:57
